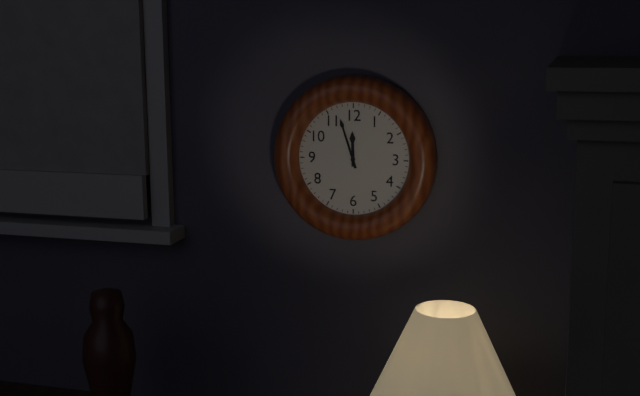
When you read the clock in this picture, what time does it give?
11:57
